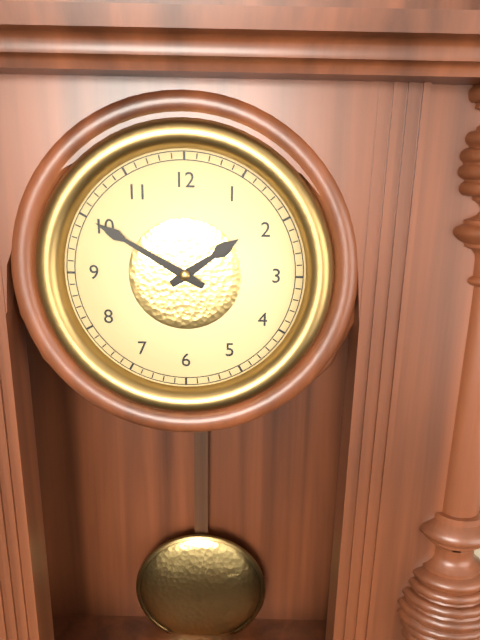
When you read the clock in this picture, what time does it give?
1:50
